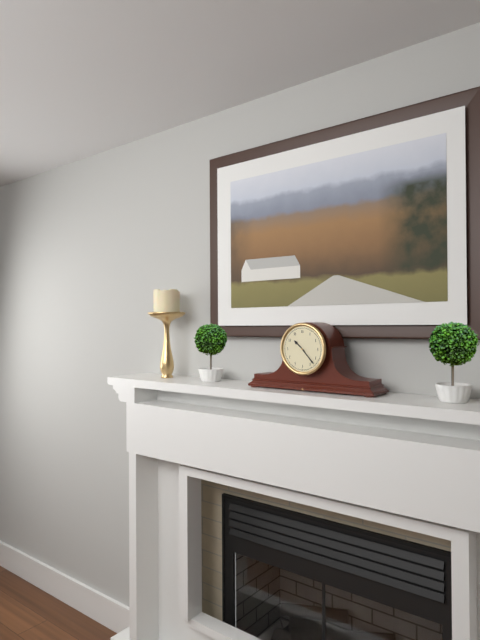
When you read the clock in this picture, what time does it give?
10:23
